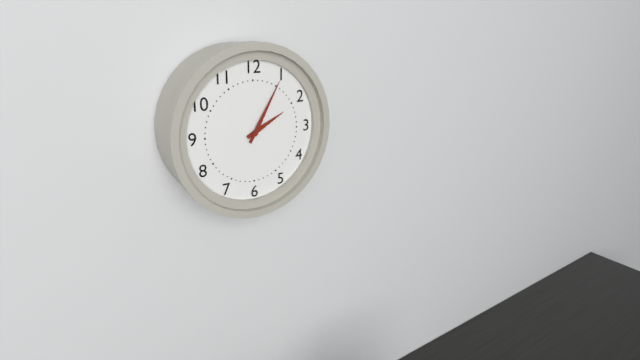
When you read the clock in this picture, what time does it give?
2:05
